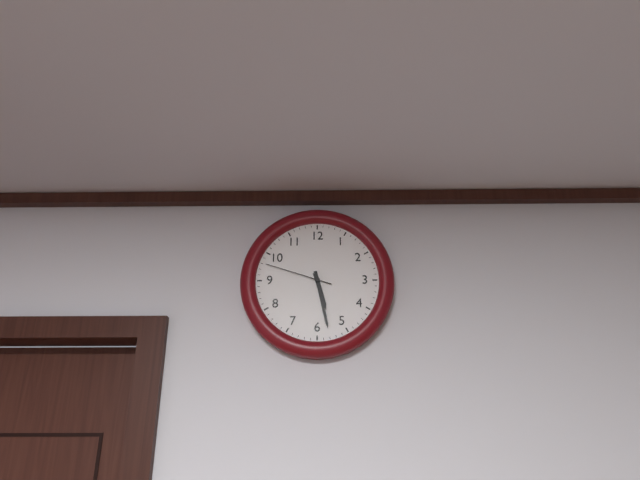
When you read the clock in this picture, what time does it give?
5:28:48
